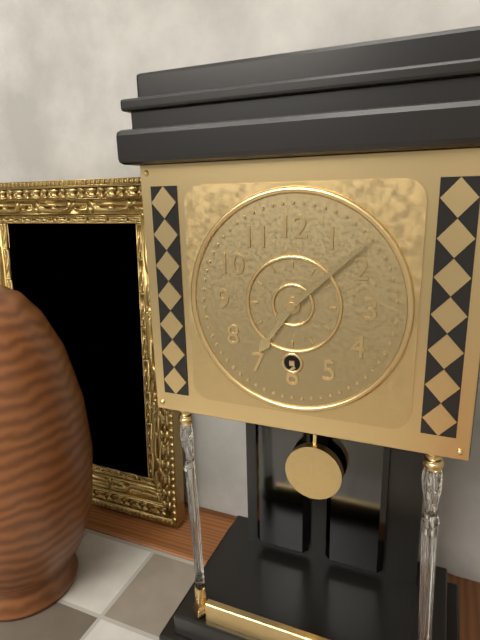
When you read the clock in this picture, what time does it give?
7:08
